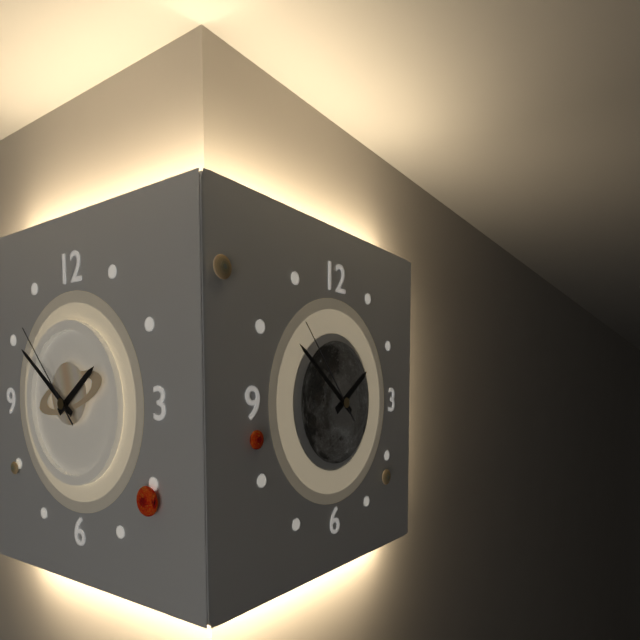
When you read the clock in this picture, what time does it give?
1:51:53
